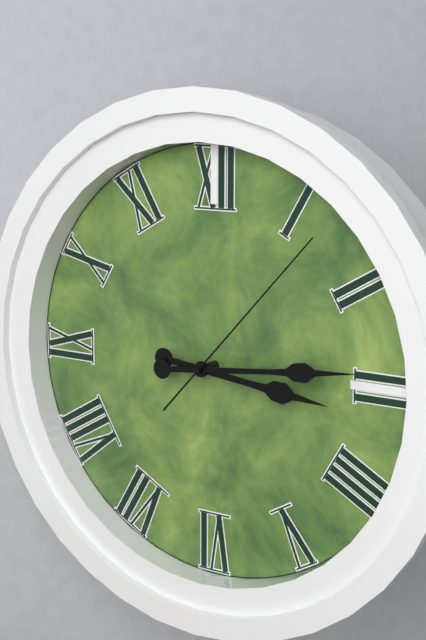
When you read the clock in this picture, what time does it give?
3:14:07
